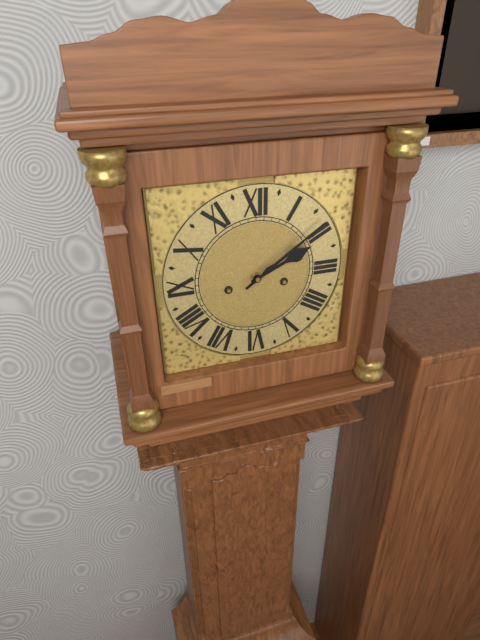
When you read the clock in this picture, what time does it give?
2:09
